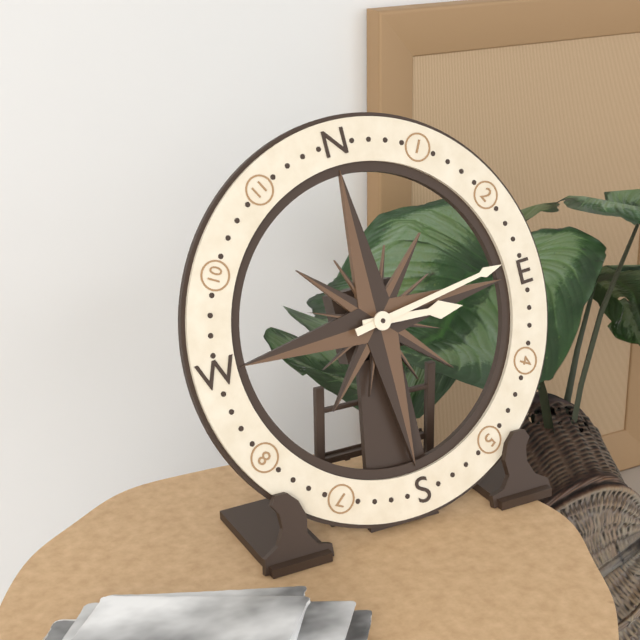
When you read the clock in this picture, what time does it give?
3:14
